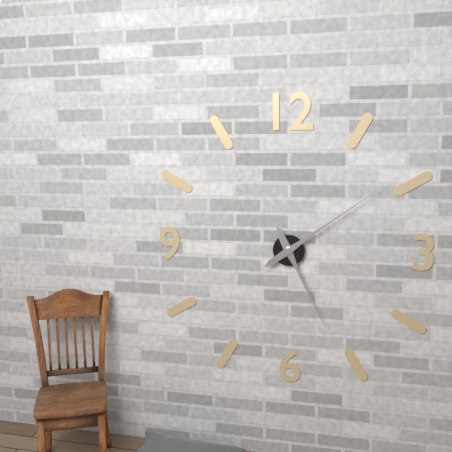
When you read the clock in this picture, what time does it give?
5:09
